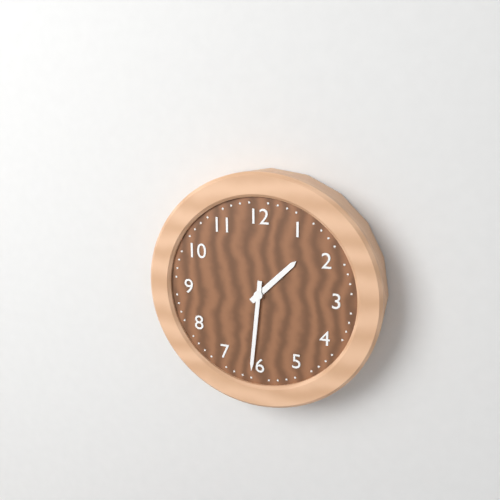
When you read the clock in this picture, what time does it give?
1:31
